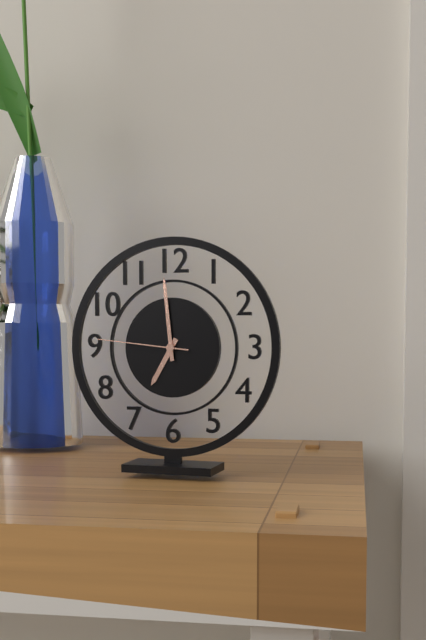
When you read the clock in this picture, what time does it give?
6:59:46
